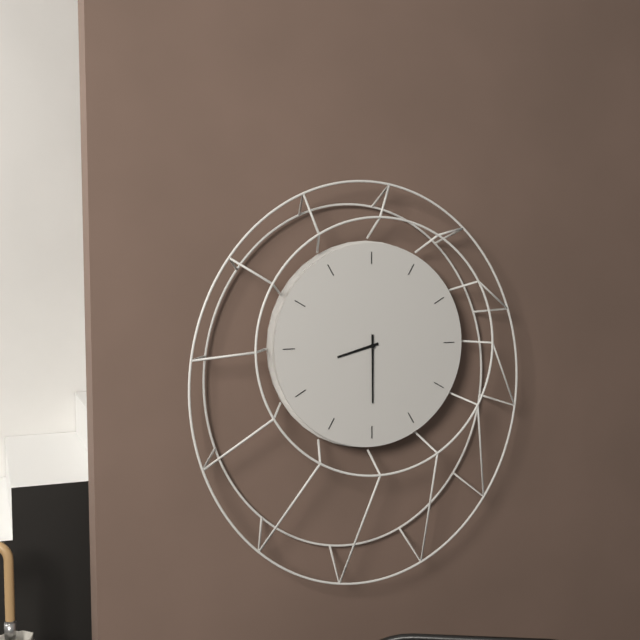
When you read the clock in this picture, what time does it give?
8:30
